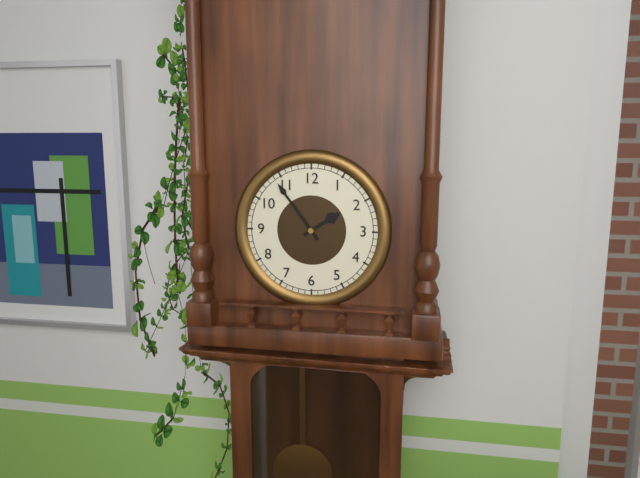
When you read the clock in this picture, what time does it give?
1:54
